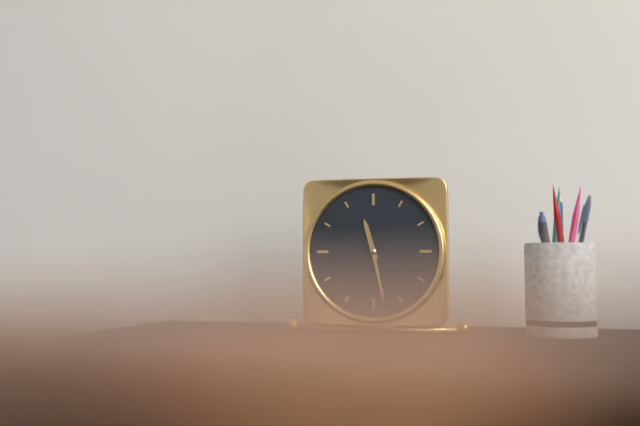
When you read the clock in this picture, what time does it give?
11:28
